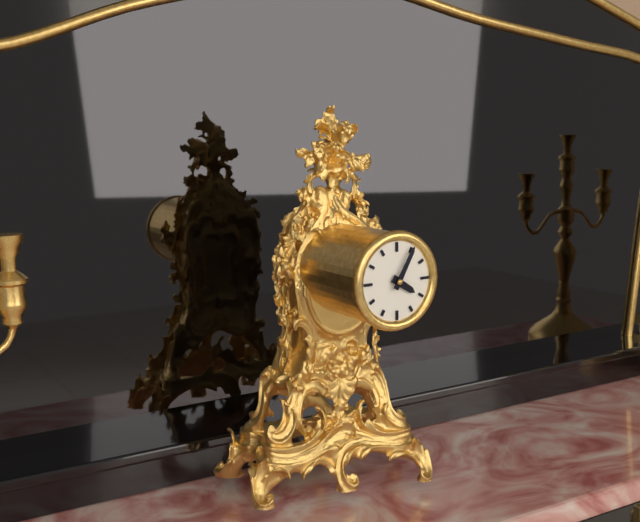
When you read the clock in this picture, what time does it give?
4:05
